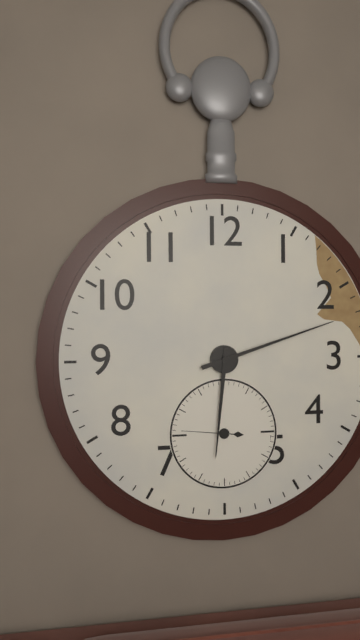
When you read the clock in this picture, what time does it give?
6:12:46
